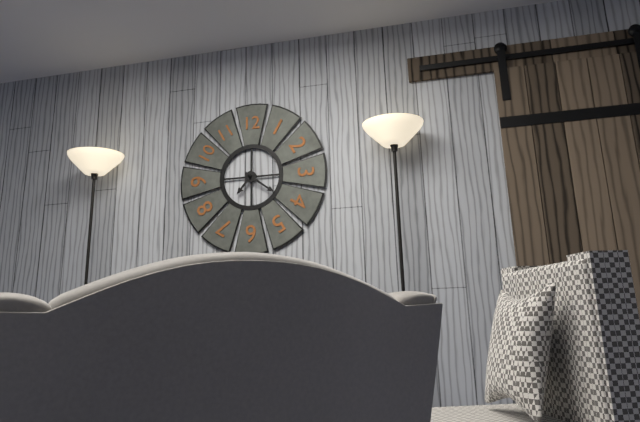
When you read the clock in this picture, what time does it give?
7:21
